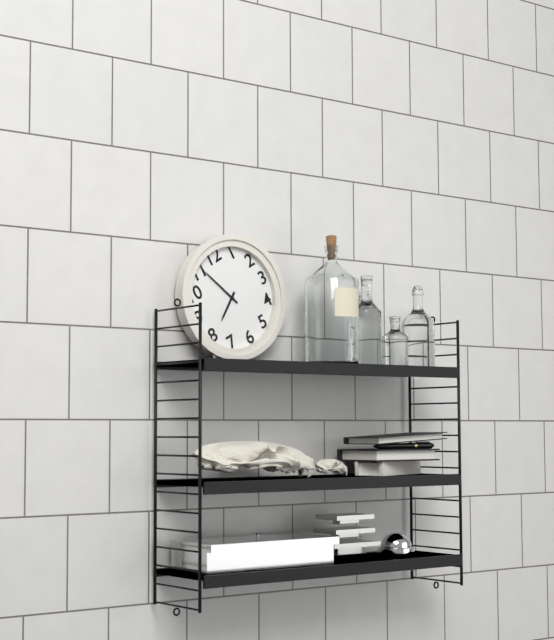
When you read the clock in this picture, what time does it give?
7:56
